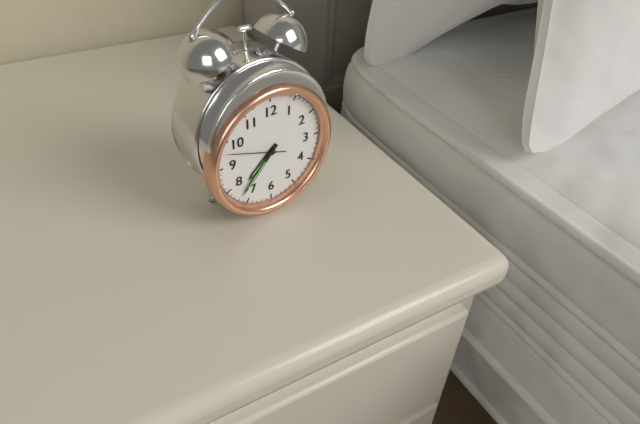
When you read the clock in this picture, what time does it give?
7:37:48
